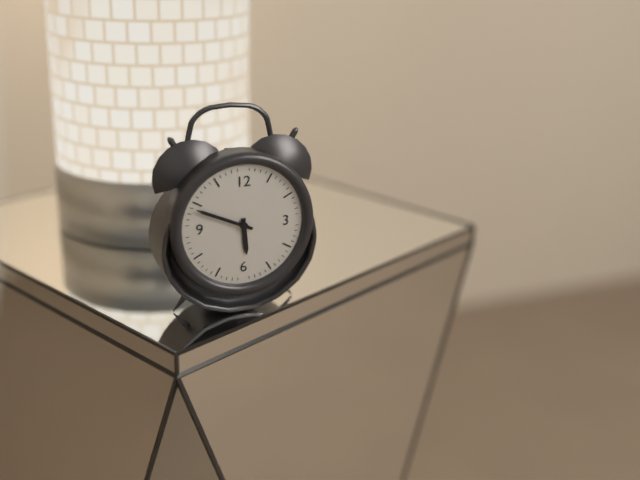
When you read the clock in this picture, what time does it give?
5:49
